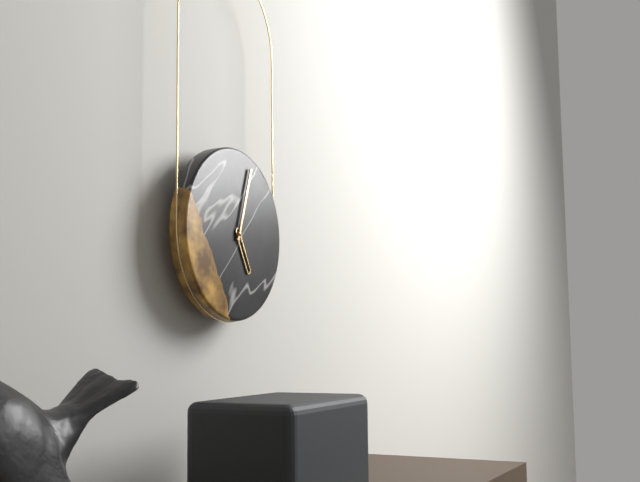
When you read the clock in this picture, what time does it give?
5:03
